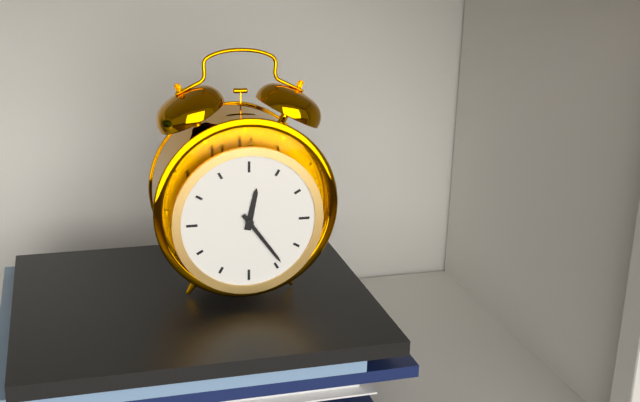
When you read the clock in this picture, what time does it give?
12:24
